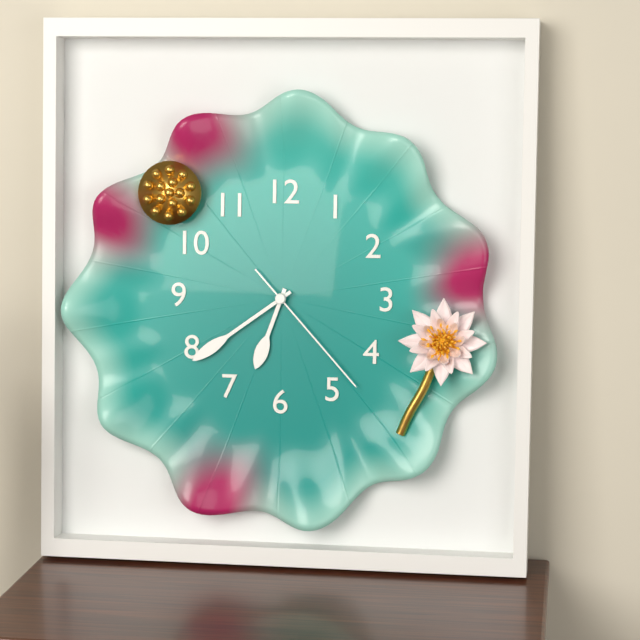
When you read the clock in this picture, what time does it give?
6:39:23
